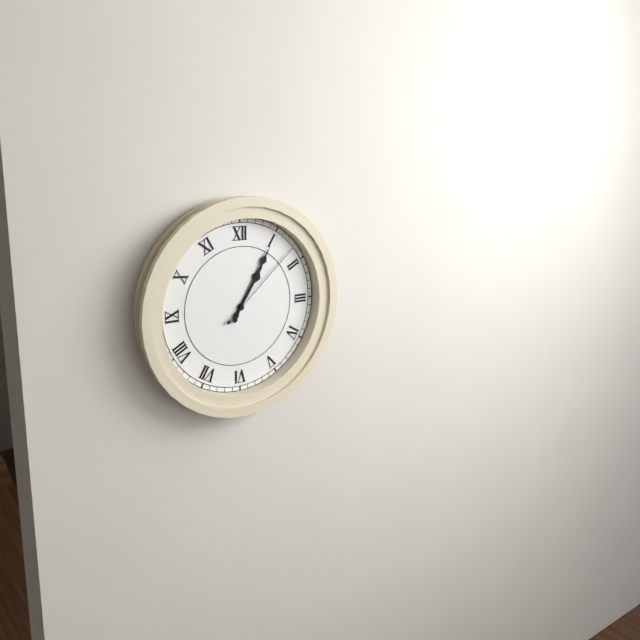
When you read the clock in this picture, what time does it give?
1:05:08
